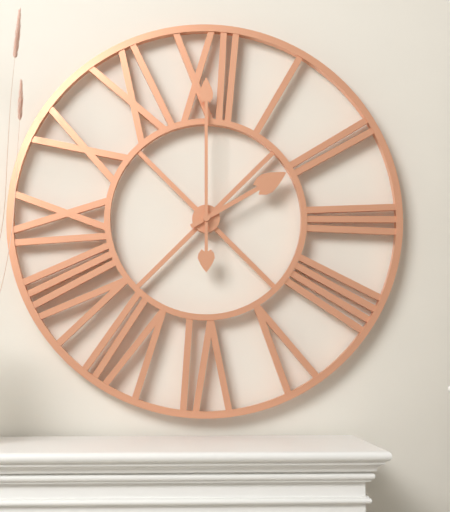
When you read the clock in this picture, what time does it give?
2:00
